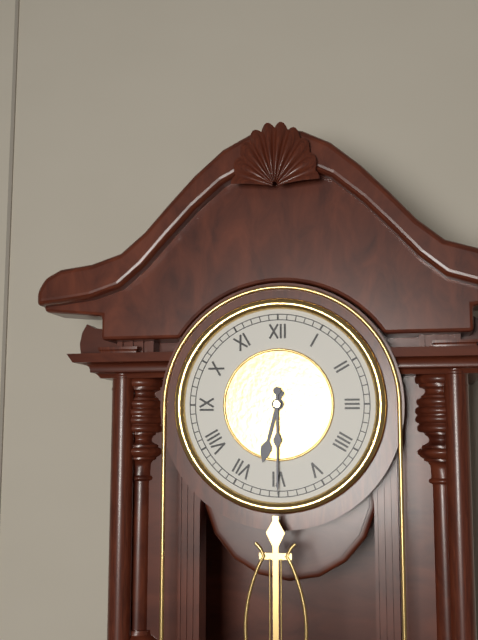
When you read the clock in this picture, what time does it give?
6:30
